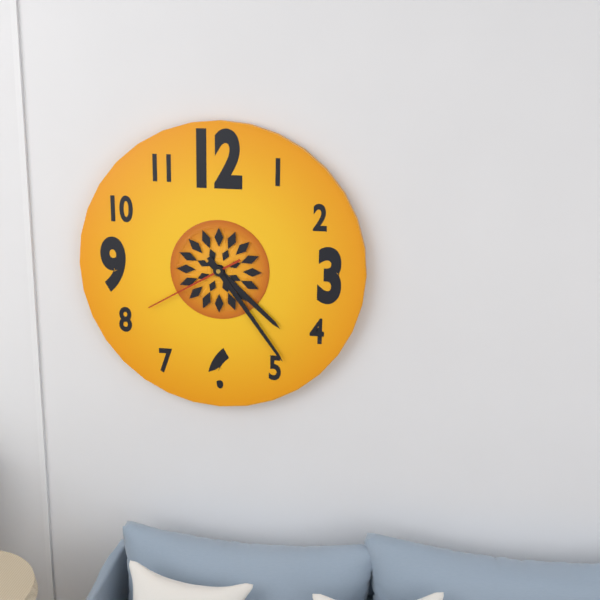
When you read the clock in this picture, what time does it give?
4:24:40
